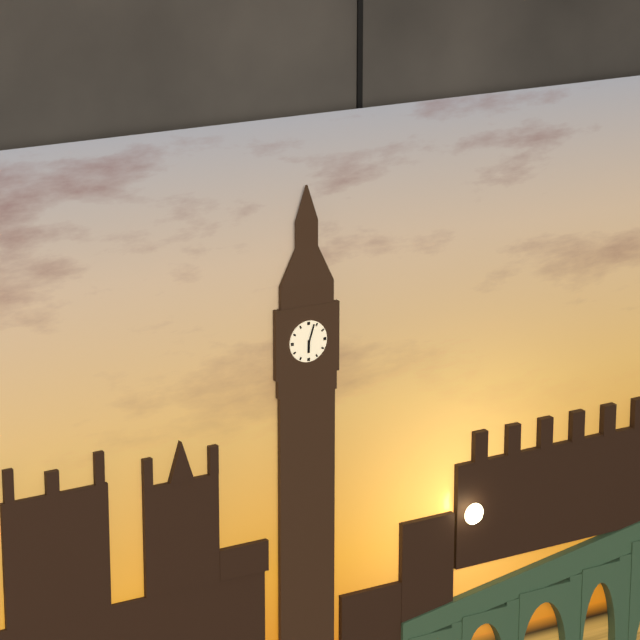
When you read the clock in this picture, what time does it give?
6:03
